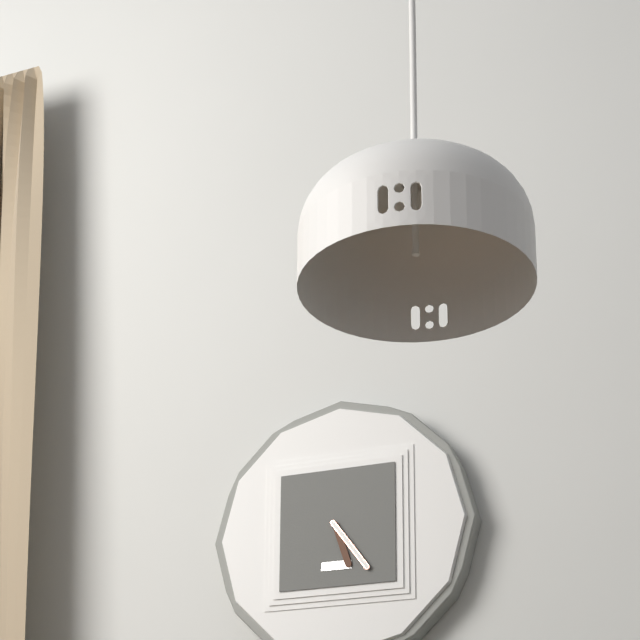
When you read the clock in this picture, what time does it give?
5:24
